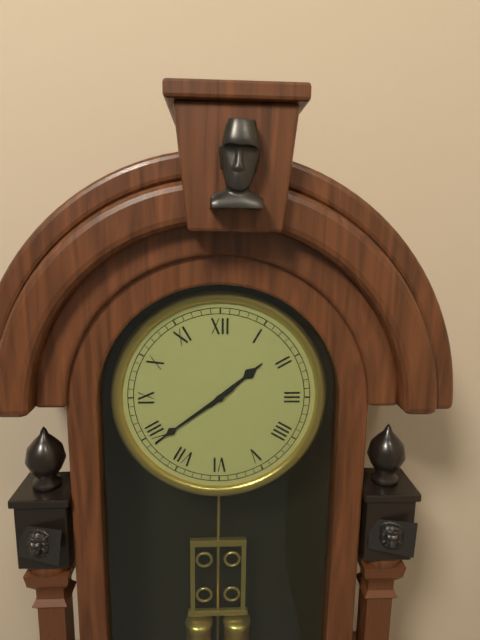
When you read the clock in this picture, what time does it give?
1:39
